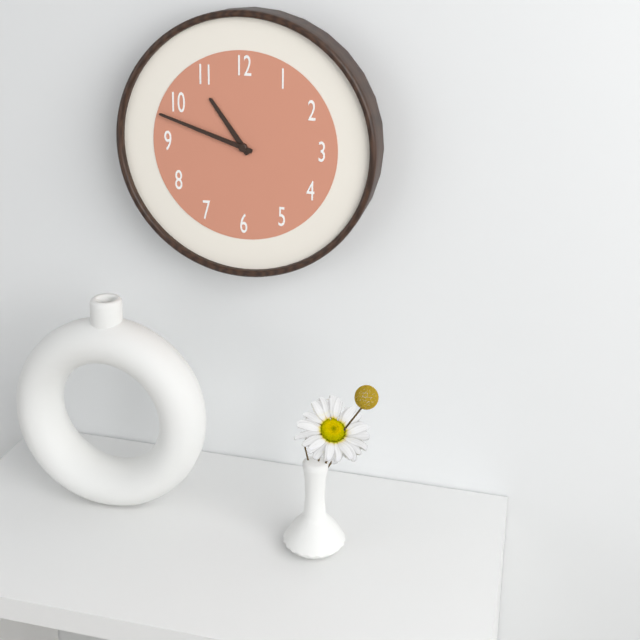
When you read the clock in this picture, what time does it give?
10:48
